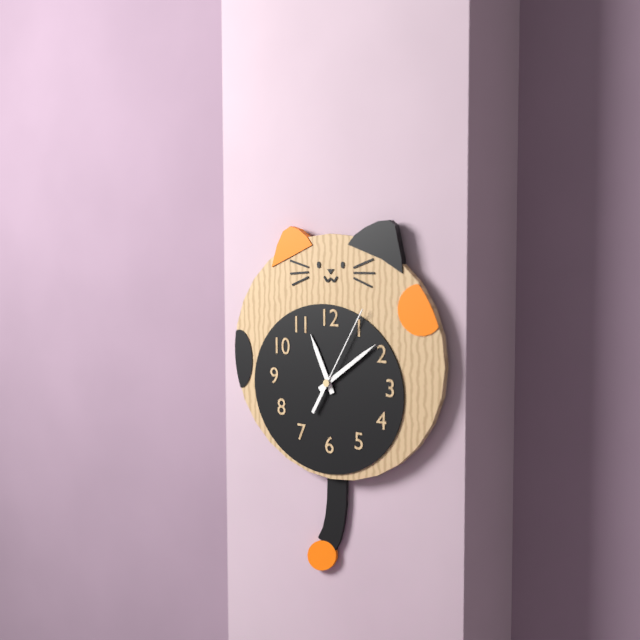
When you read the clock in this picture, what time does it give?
11:09:05
